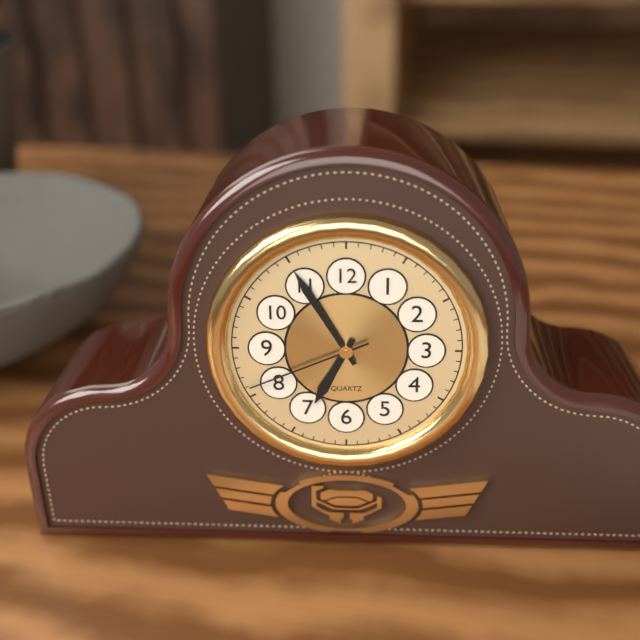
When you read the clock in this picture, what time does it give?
6:55:41
